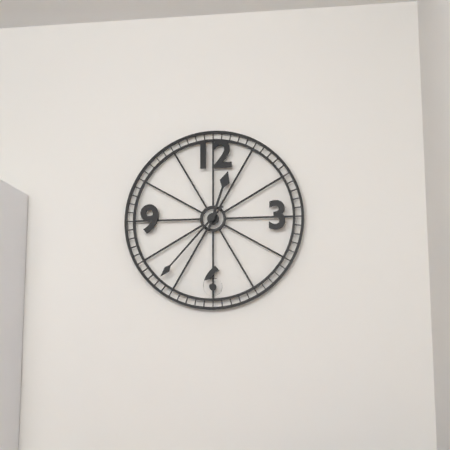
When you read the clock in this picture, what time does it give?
12:37
